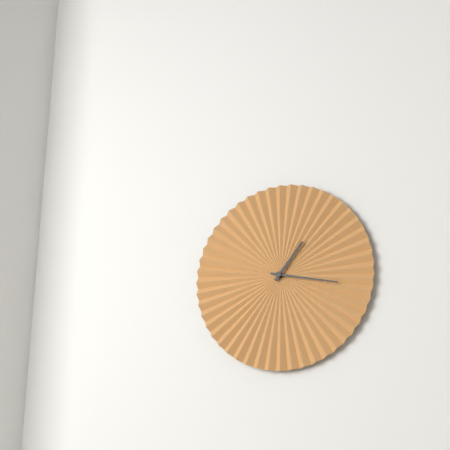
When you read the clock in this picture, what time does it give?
1:17
